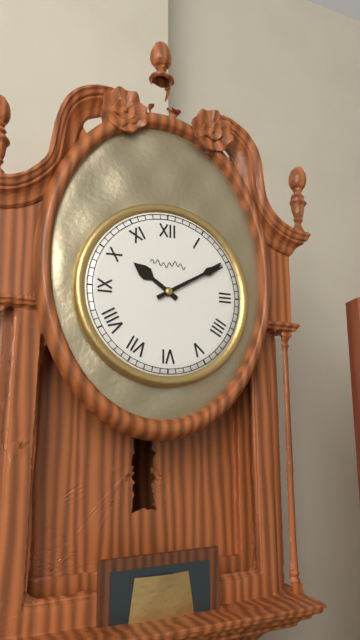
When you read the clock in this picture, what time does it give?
10:10
